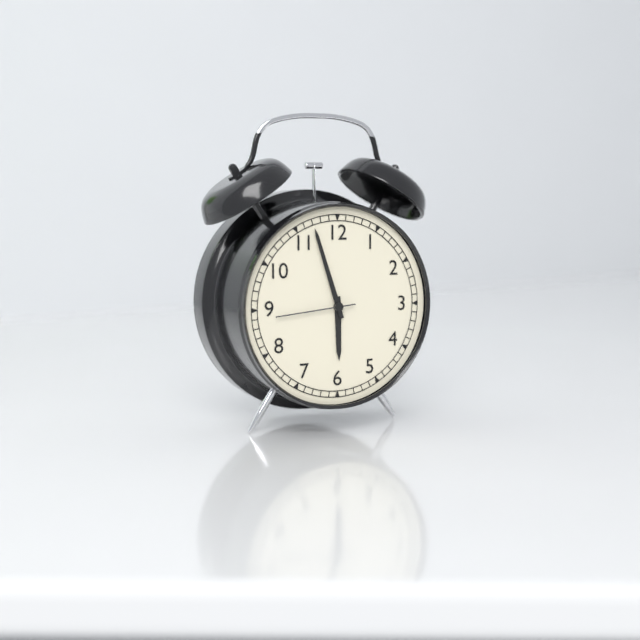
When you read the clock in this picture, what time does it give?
5:57:44
